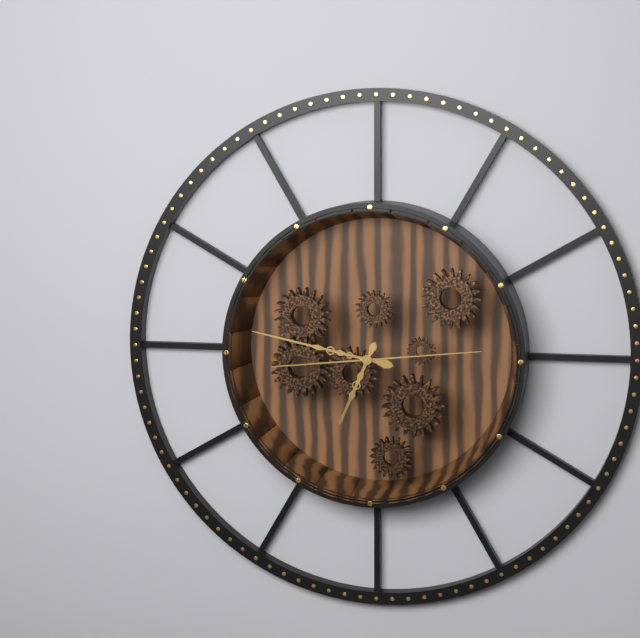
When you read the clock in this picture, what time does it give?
6:47:14
